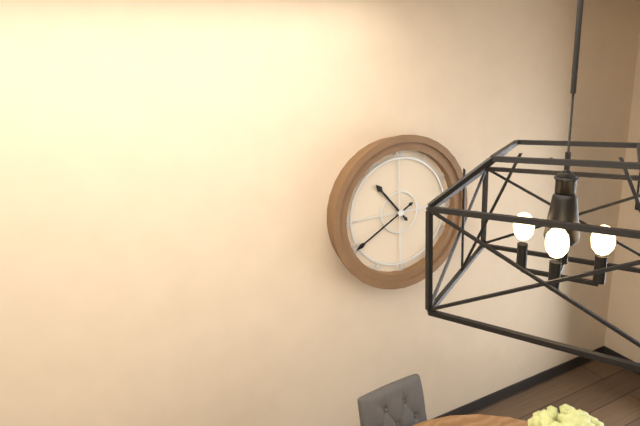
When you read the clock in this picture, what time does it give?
10:40
